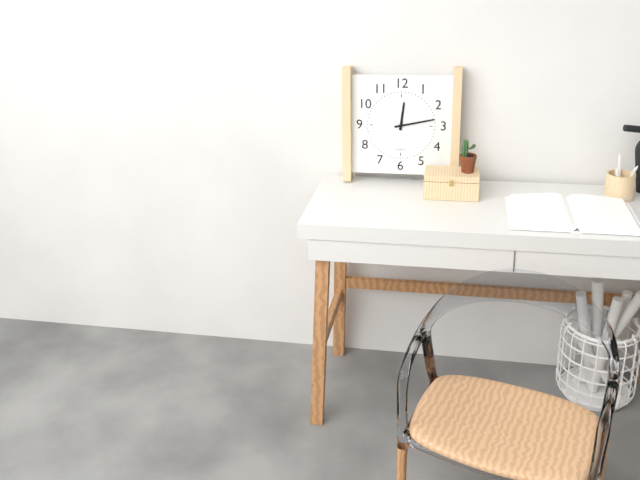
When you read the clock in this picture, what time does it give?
12:13
